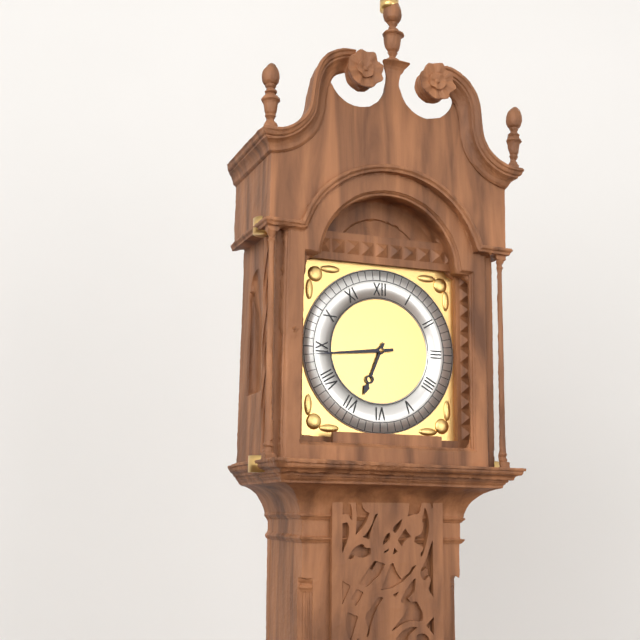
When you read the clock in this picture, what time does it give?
6:44
